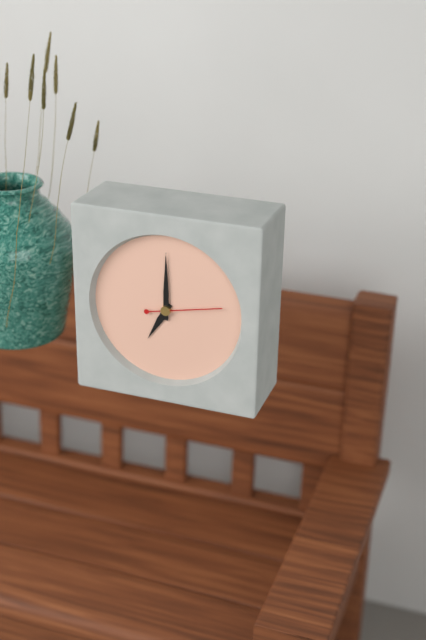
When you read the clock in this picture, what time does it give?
7:00:13
